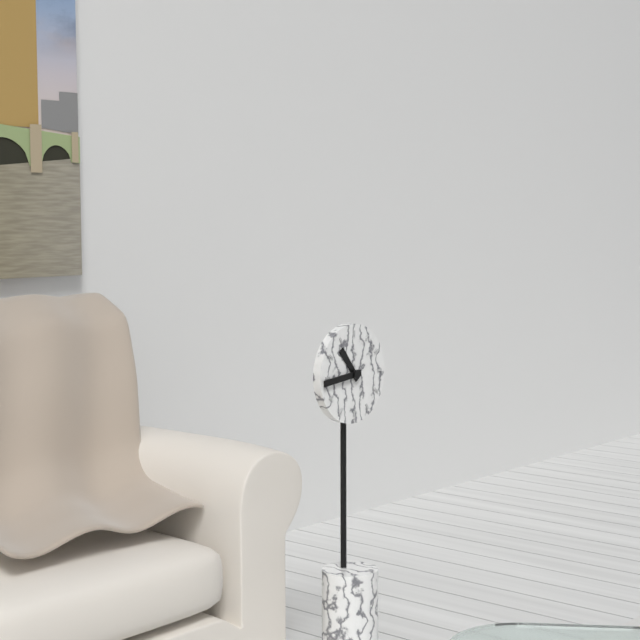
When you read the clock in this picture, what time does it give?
10:44
